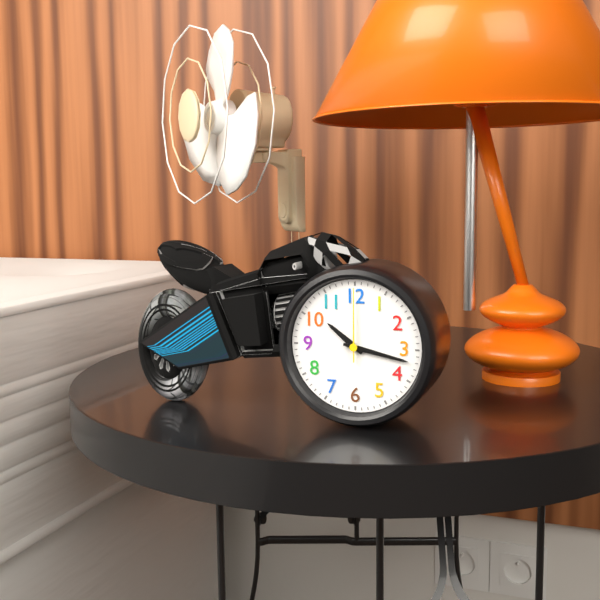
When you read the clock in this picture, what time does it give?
10:17:00
